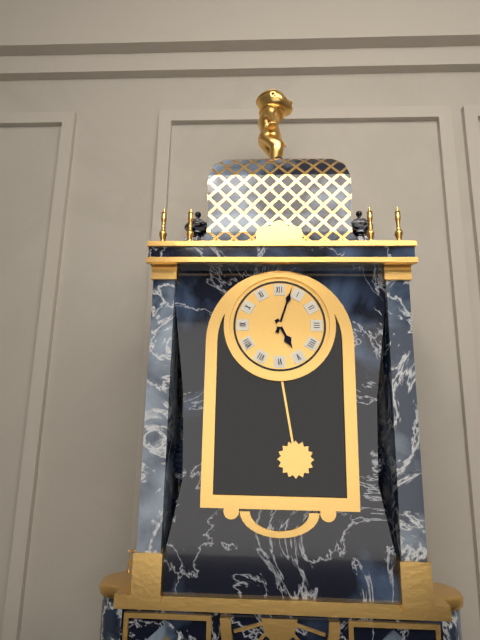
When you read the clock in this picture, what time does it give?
5:03
